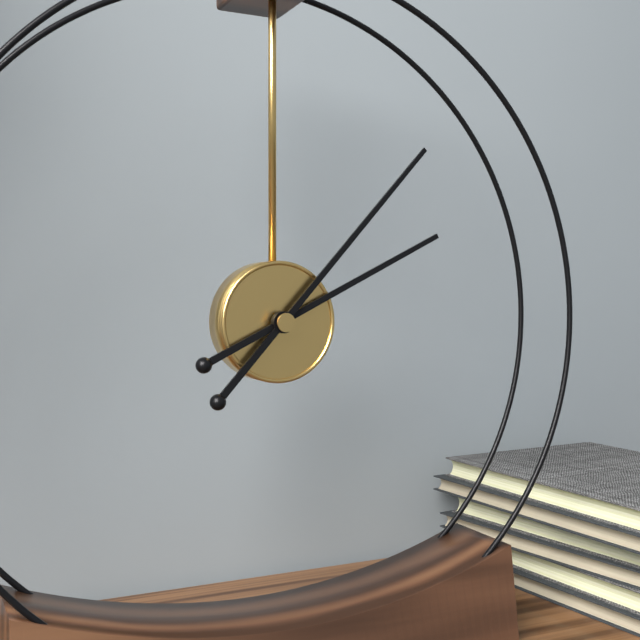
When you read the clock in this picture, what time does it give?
2:07
